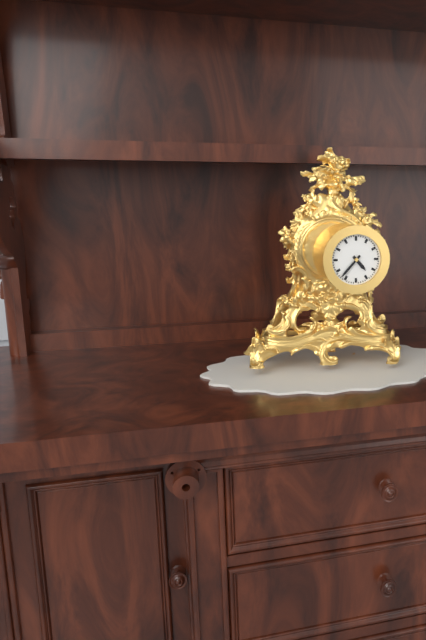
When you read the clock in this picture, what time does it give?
4:37
